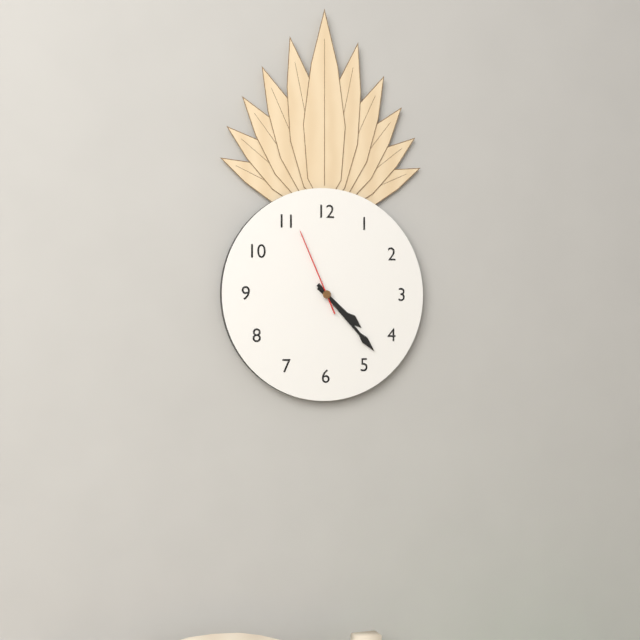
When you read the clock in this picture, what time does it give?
4:23:56
